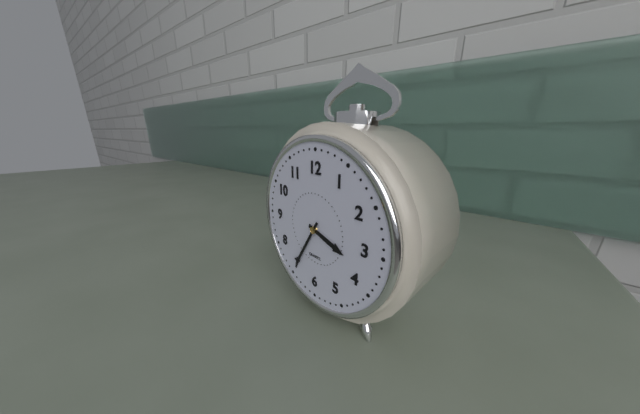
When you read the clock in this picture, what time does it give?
3:35
